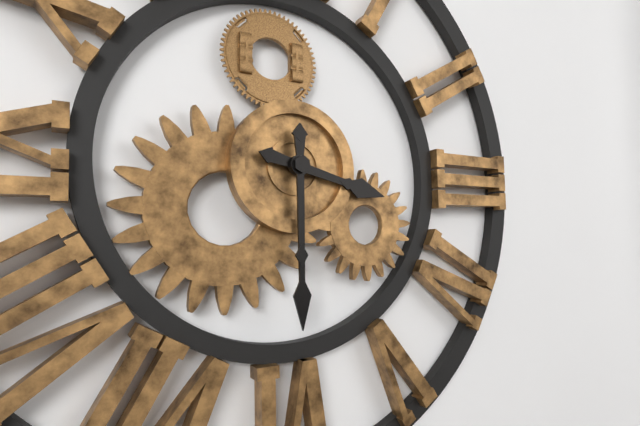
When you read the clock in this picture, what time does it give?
3:30
